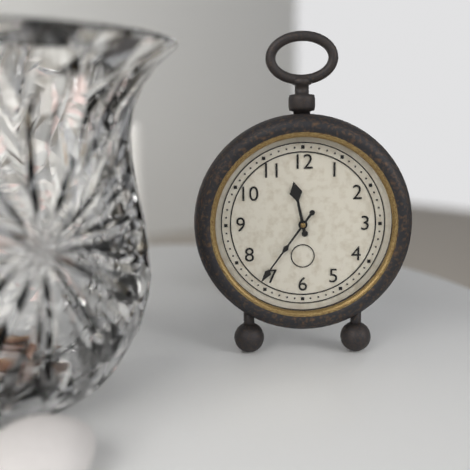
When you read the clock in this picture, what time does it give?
11:36
